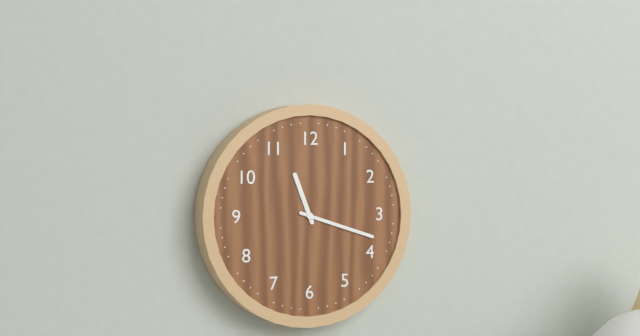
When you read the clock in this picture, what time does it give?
11:18
